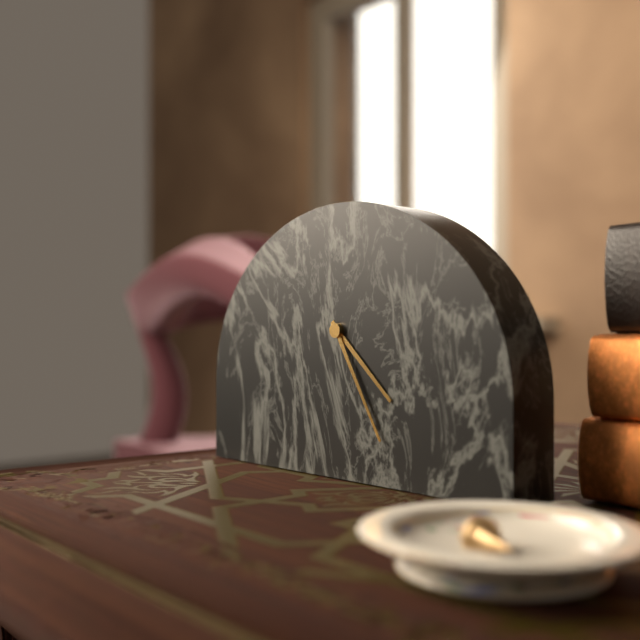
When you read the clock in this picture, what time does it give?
4:25
